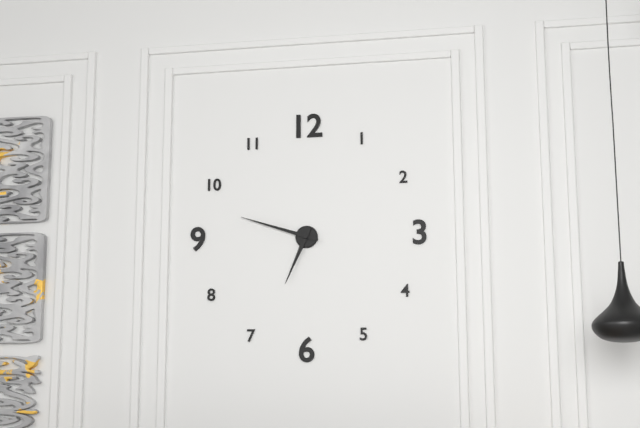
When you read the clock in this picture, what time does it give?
6:48
